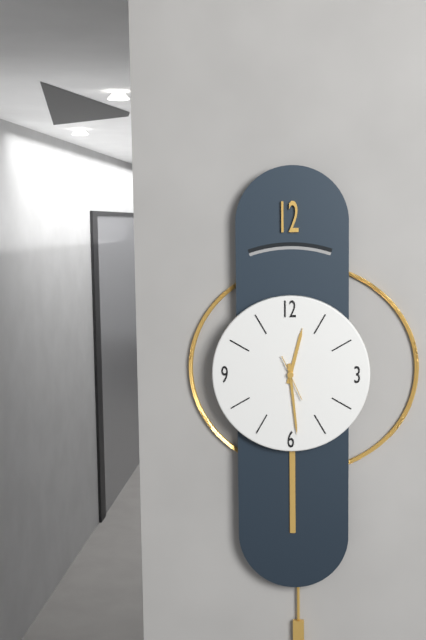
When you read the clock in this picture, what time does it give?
12:29
